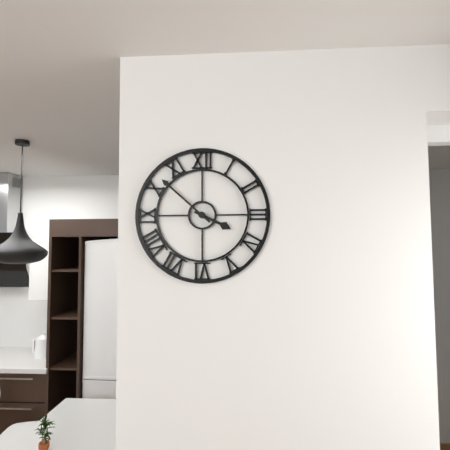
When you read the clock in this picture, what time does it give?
3:52
